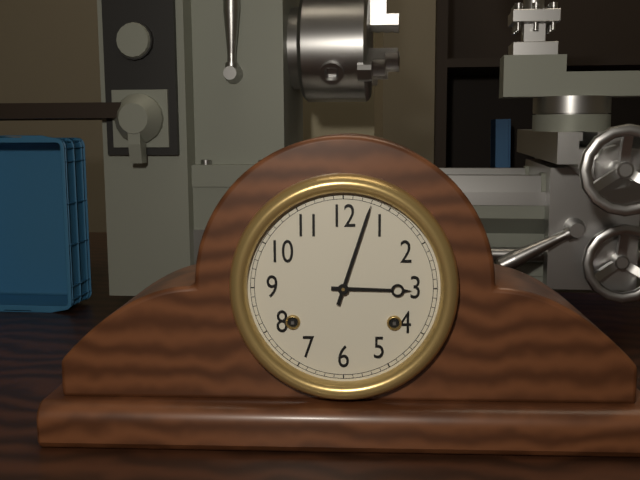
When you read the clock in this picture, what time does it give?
3:03
